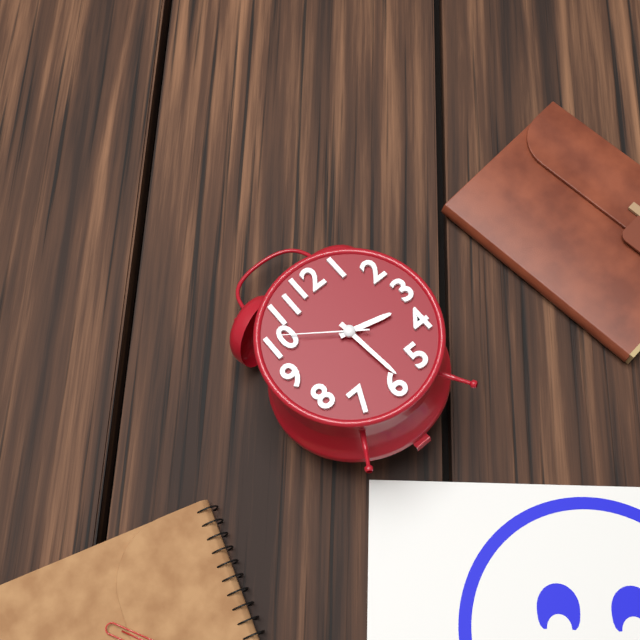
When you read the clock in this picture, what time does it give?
3:29:51
